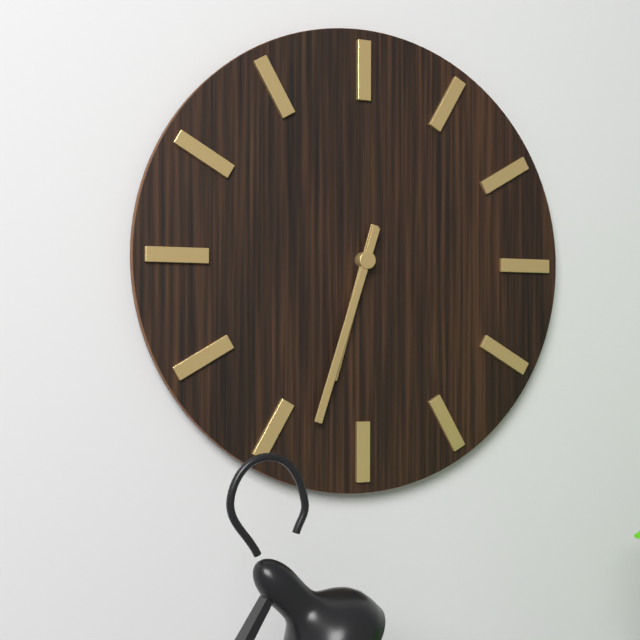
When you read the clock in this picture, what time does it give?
6:33
